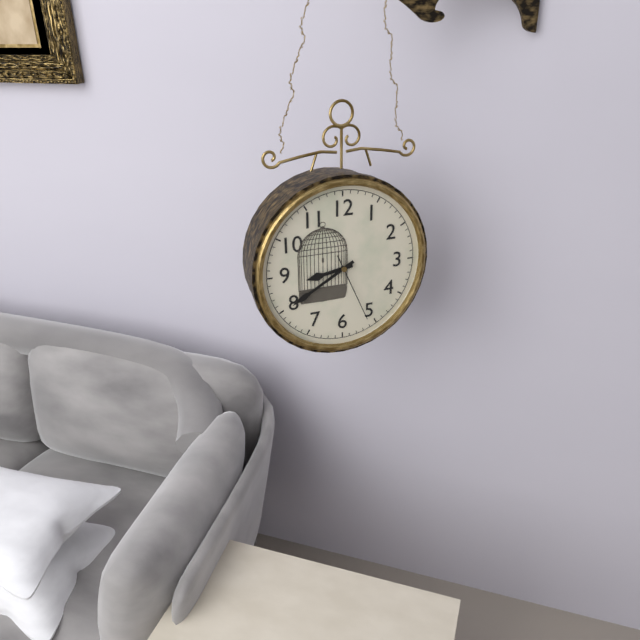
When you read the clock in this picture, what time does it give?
8:40:26
